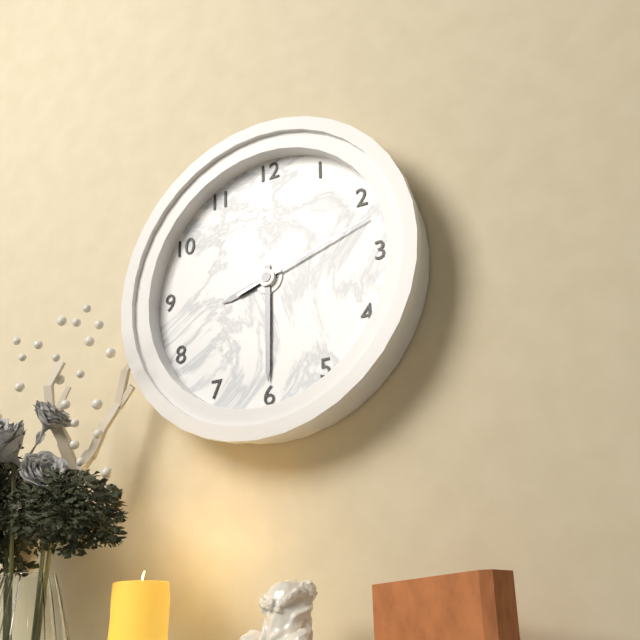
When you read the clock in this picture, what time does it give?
8:30:12
